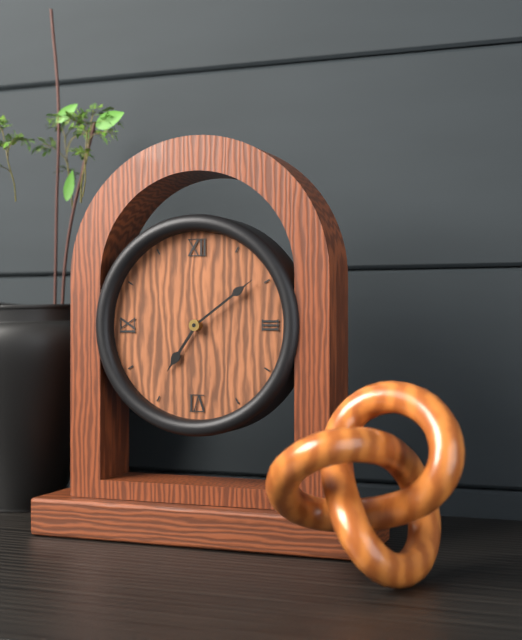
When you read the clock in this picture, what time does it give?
7:09
